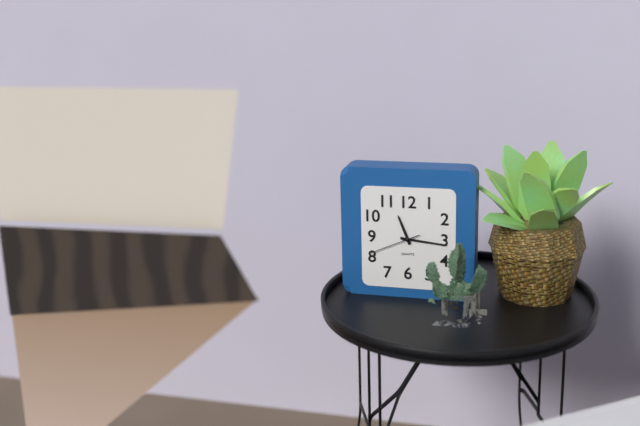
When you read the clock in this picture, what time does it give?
11:16:41
